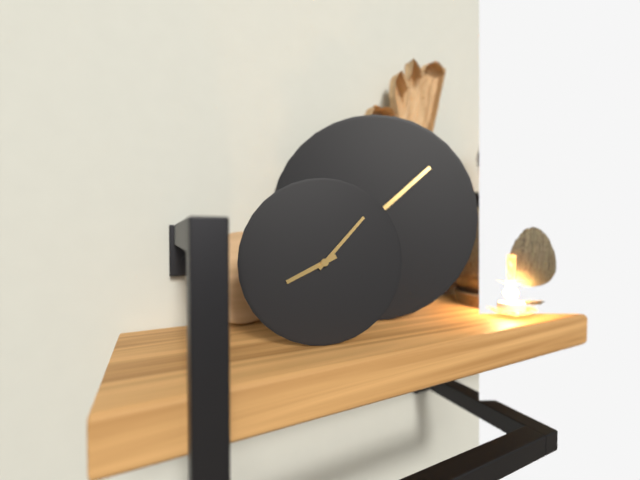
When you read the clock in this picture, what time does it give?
8:07
